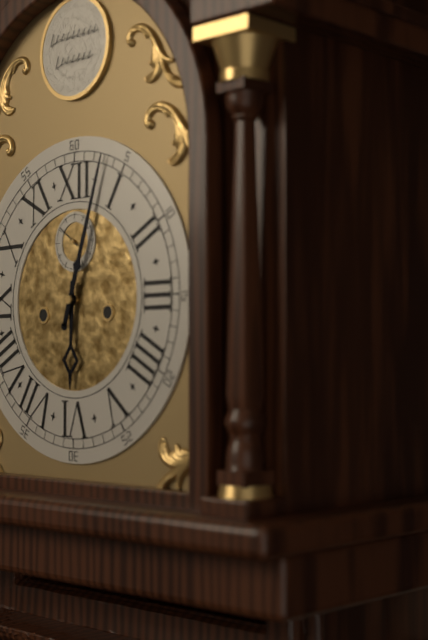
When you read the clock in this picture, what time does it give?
6:03:51
